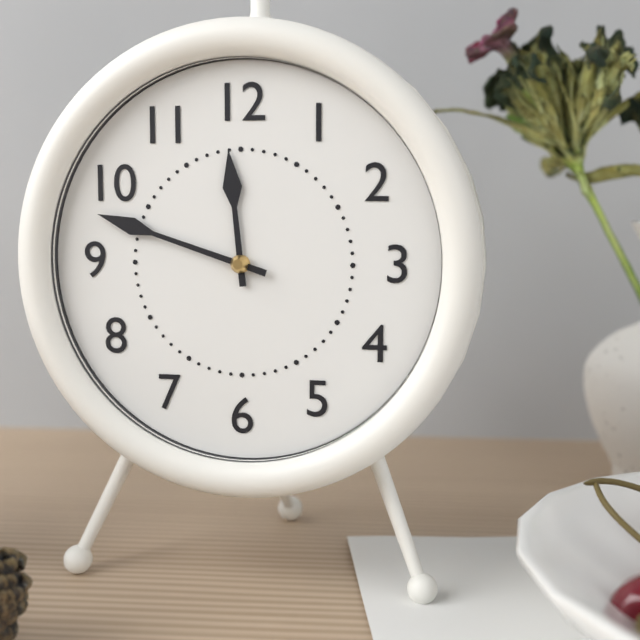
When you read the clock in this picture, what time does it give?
11:48
